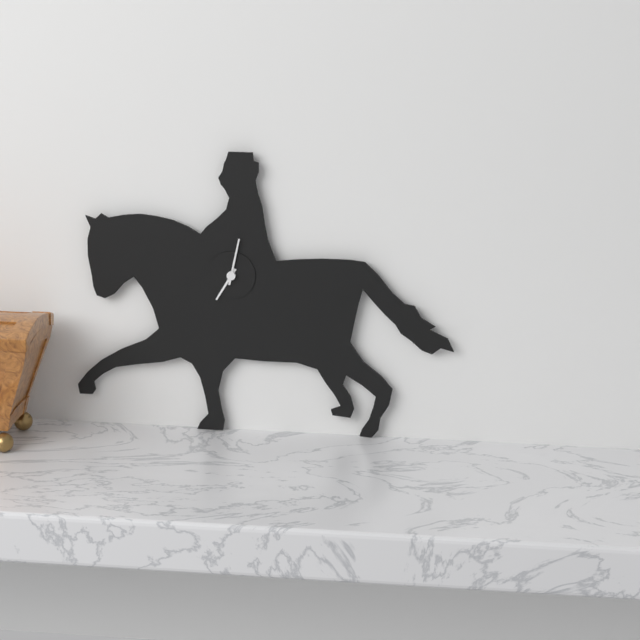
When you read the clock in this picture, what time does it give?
7:02
